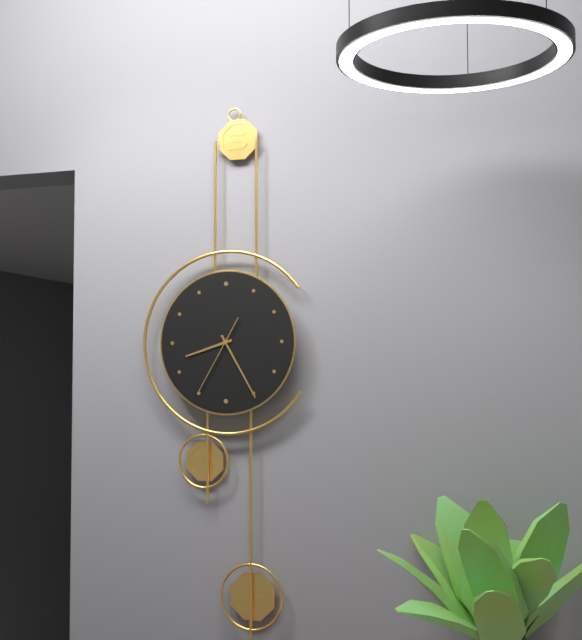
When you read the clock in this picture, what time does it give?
8:25:35
